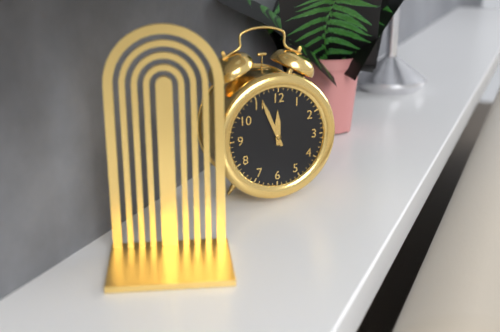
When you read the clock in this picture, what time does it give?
11:56
